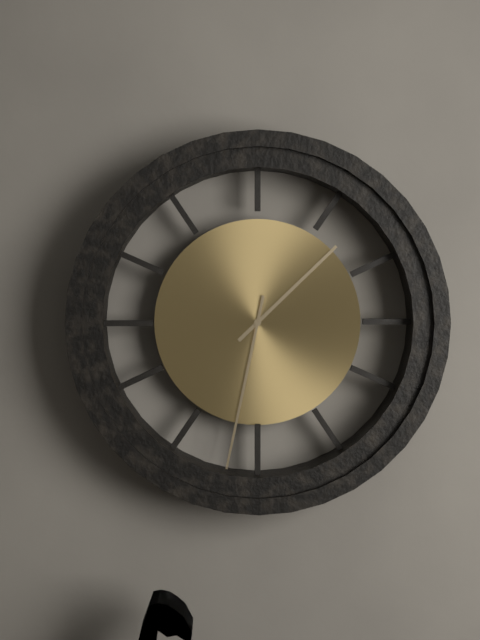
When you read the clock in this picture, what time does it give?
1:32
